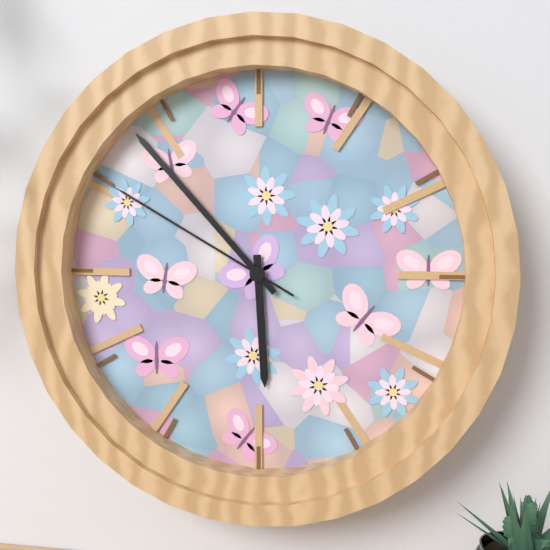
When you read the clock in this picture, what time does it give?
5:53:50
